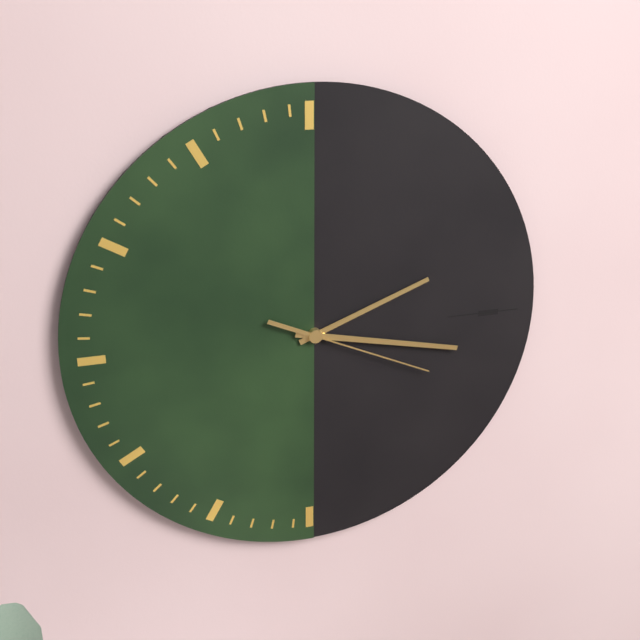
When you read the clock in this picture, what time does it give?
2:17:19
